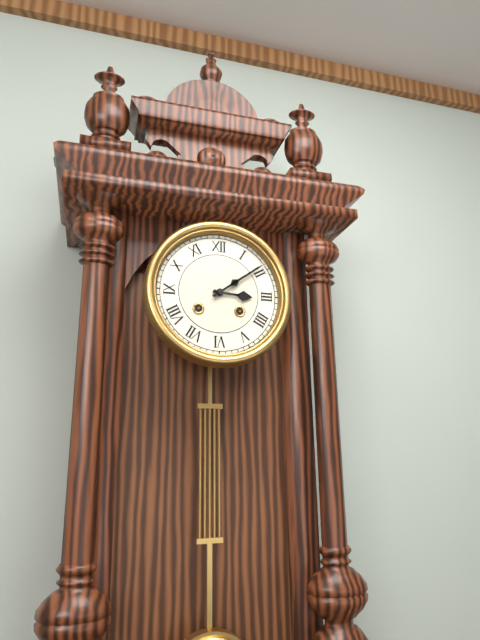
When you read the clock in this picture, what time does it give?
3:09
